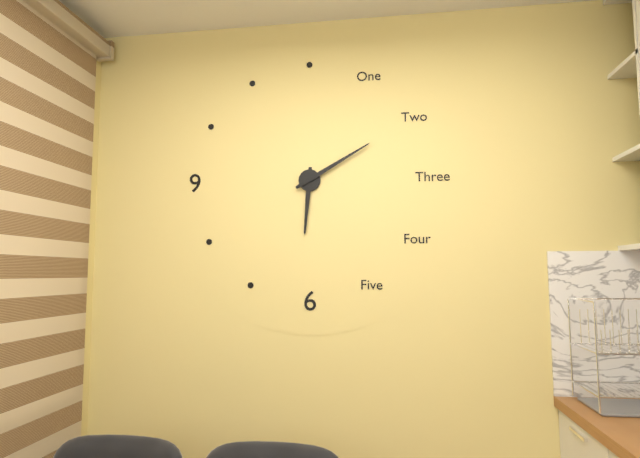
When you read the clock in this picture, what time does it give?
6:10
